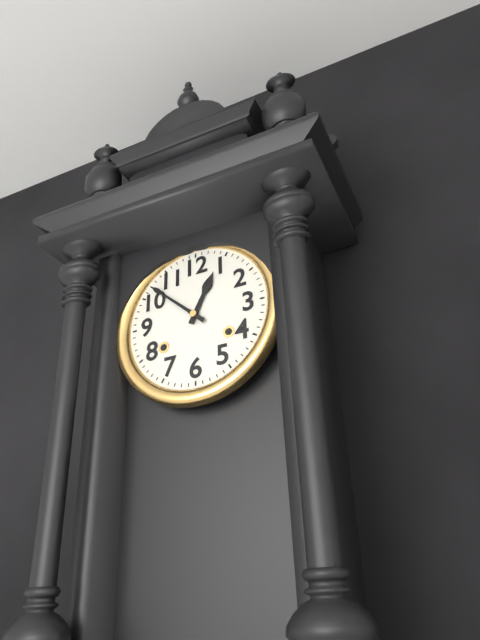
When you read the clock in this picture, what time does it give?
12:52
